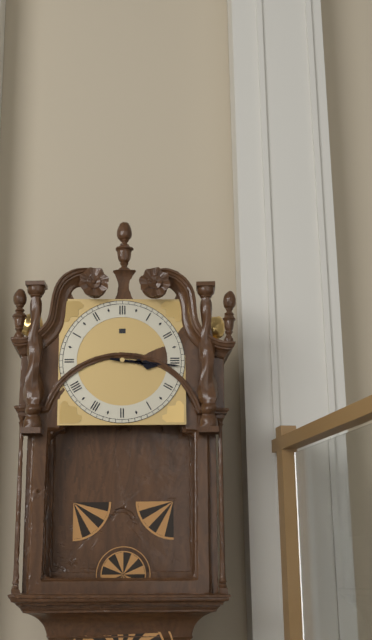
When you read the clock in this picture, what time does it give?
3:16
